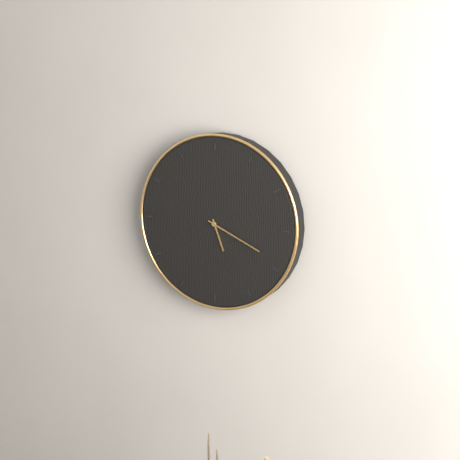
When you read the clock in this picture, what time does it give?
5:19
